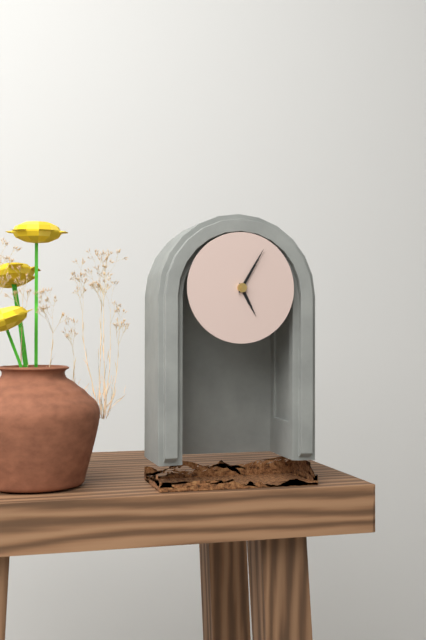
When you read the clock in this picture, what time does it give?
5:05
